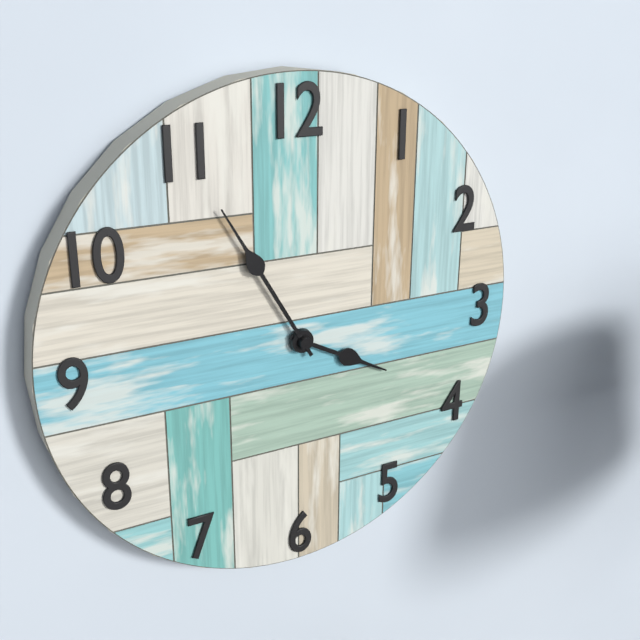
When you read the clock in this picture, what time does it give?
3:55
